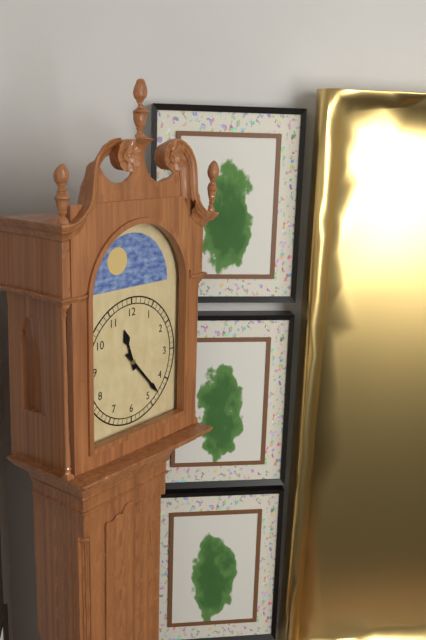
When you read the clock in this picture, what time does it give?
11:23
